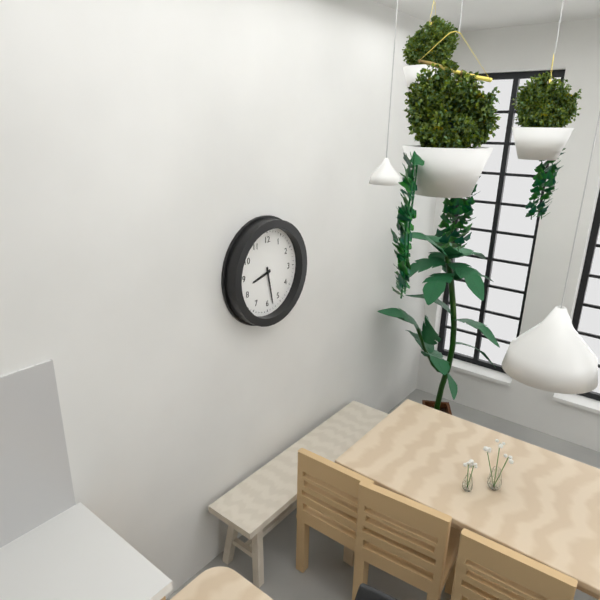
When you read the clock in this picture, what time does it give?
8:28
